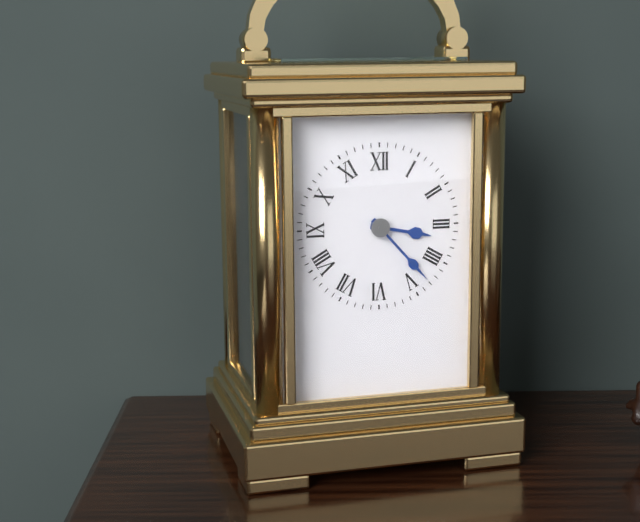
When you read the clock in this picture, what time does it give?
3:23
